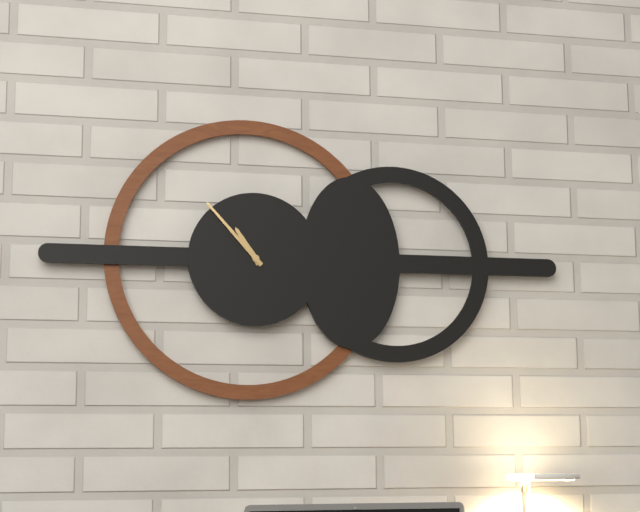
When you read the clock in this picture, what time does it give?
10:53
